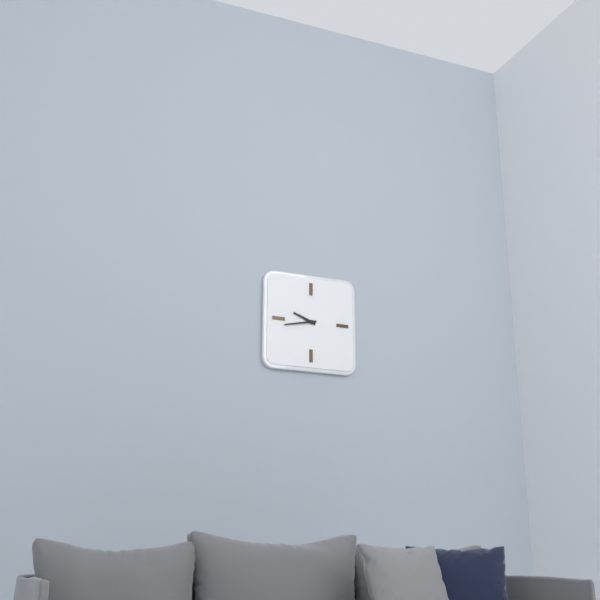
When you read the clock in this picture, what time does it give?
9:43
